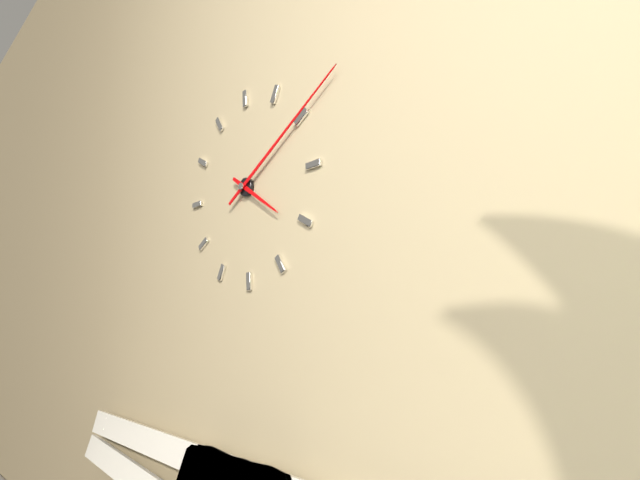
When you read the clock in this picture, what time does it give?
4:10
